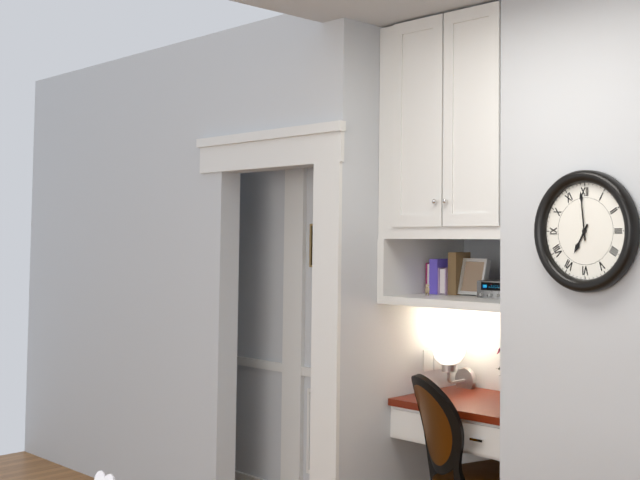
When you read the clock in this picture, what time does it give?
6:59
